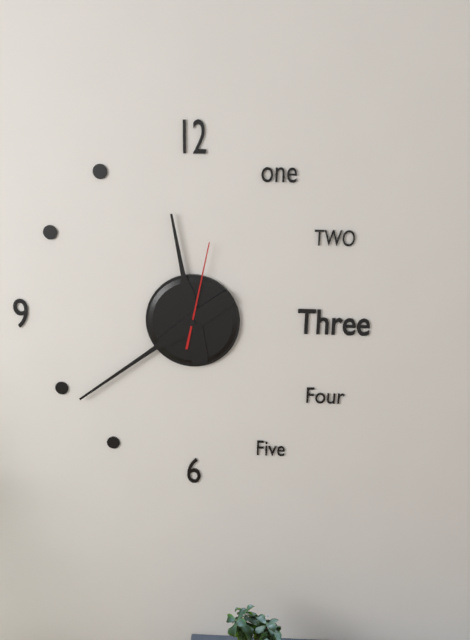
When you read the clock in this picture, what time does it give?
11:39:02
